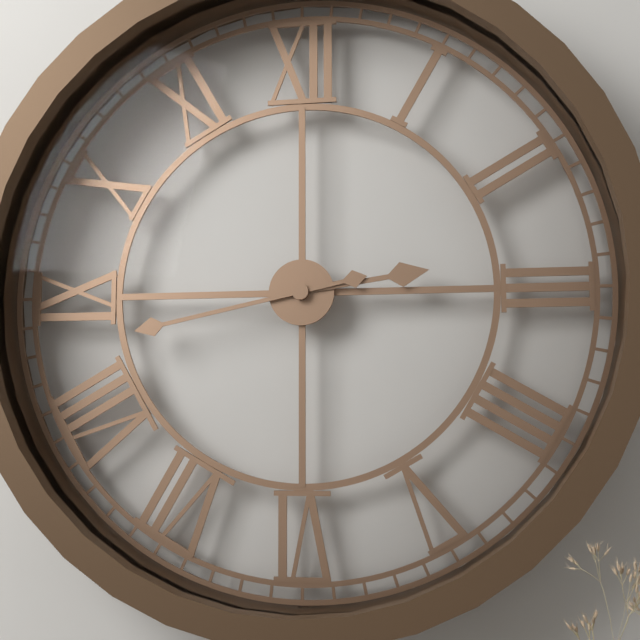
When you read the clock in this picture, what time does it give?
2:43
